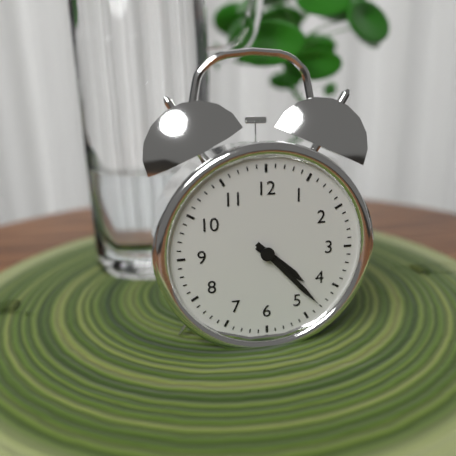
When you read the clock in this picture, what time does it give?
4:23
